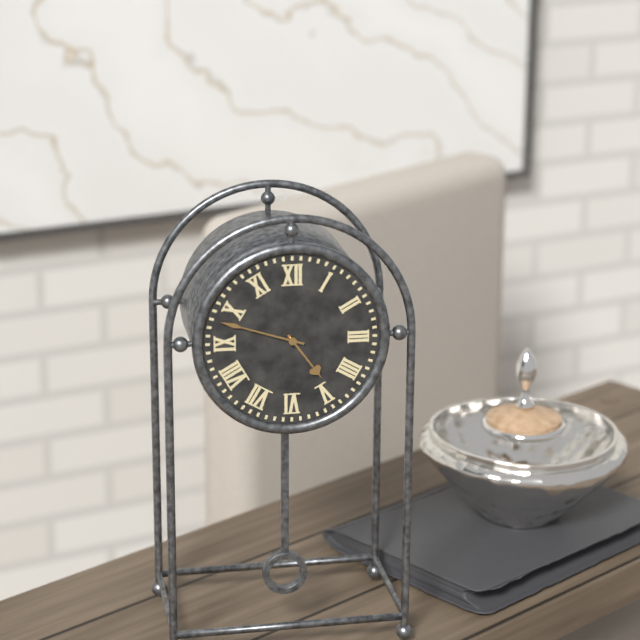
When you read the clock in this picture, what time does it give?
4:48
